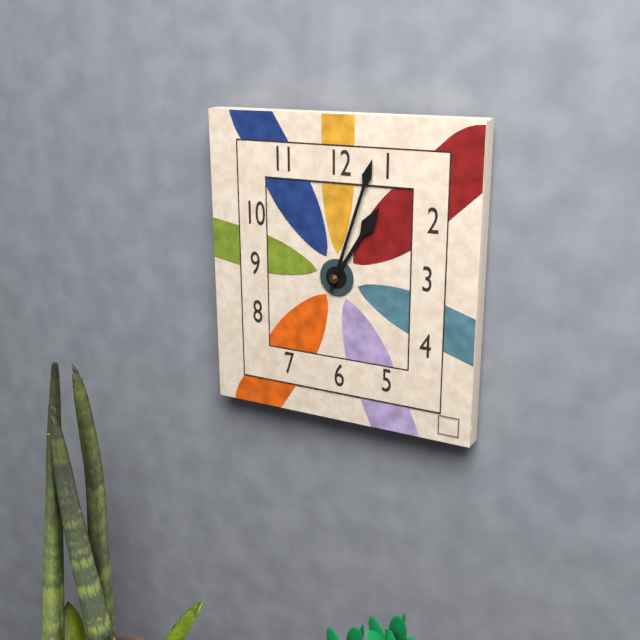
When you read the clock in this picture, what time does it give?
1:03
